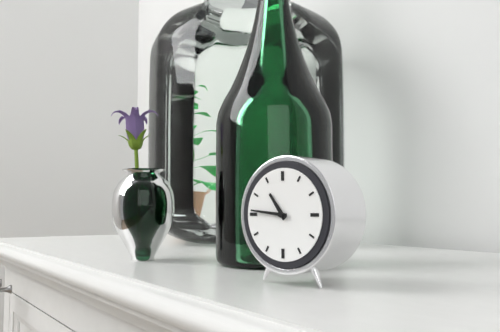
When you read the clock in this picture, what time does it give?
10:46
